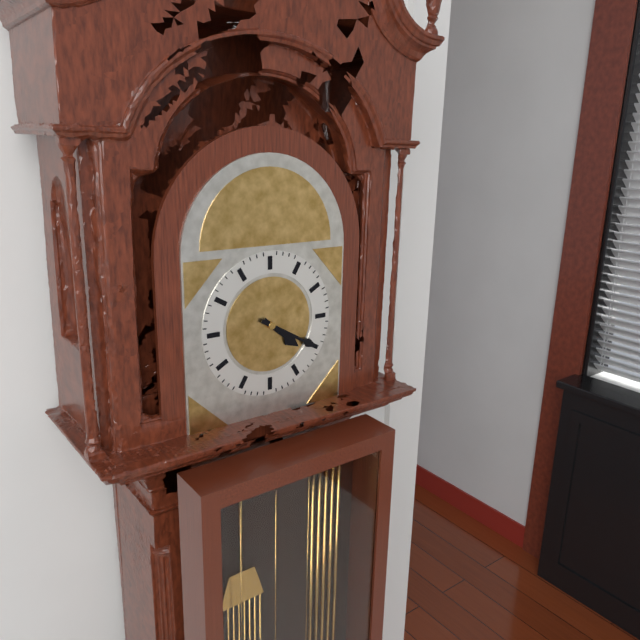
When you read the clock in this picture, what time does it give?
4:20
